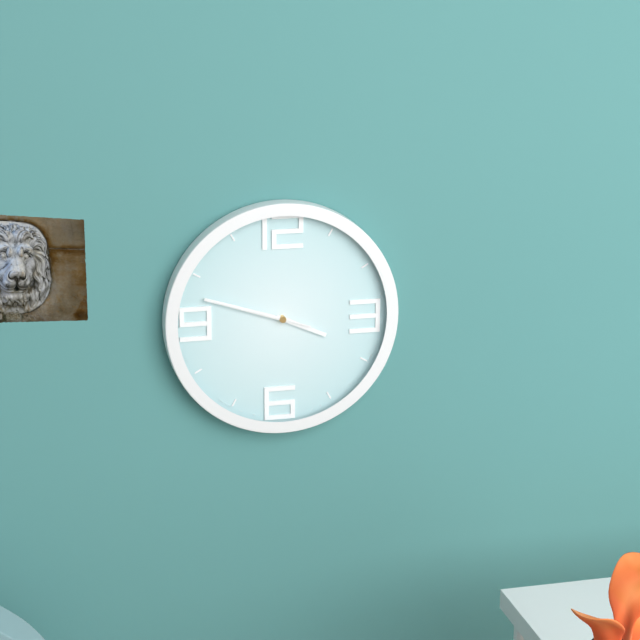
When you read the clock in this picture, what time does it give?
3:48:48
